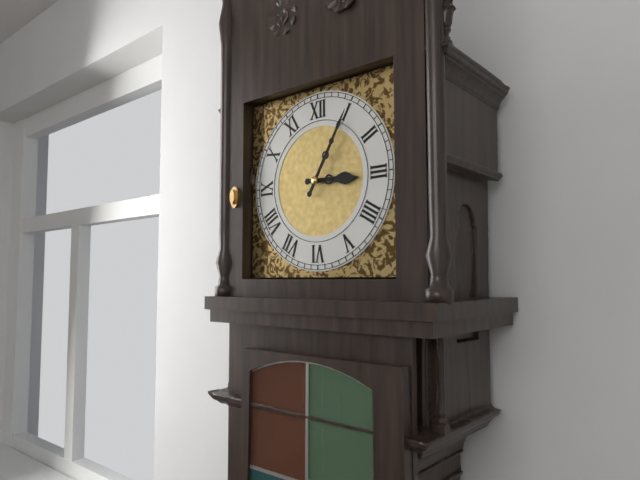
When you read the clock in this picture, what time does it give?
3:05
